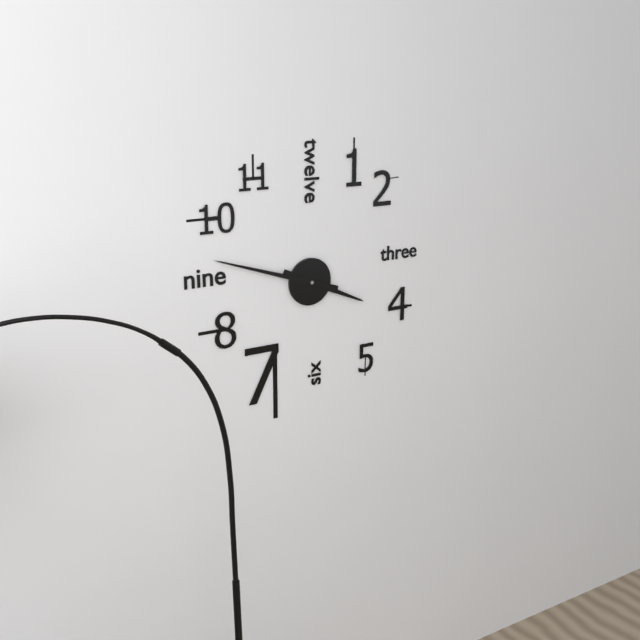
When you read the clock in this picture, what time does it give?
3:48
